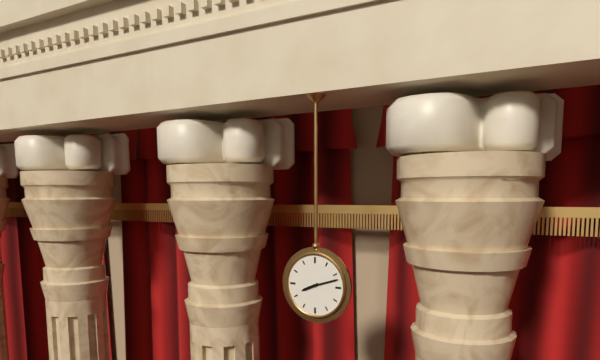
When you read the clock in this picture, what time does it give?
8:12
